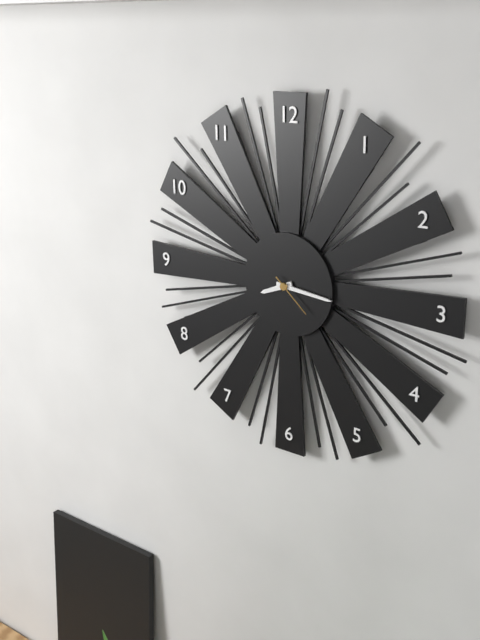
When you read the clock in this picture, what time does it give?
8:16
